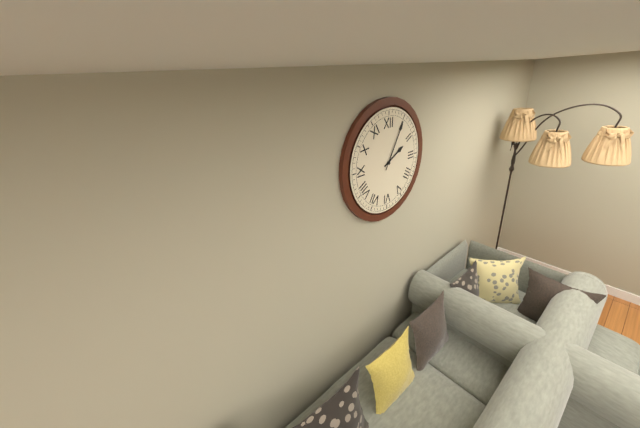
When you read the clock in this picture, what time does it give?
2:05
